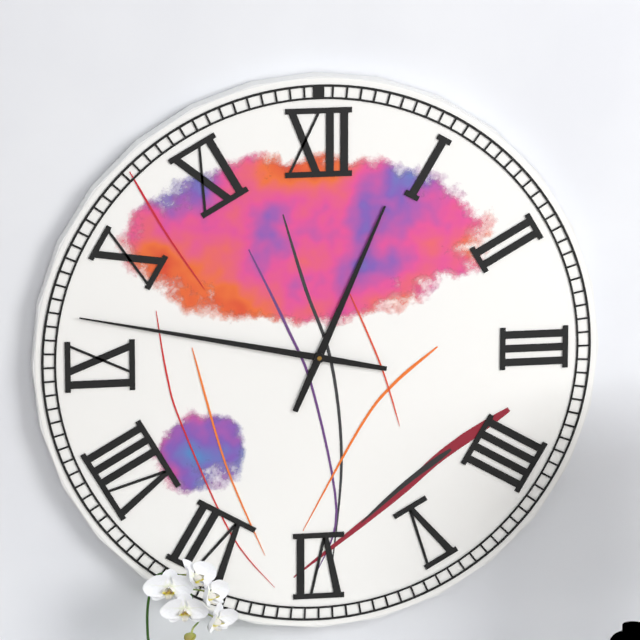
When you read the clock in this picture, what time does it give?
12:47
